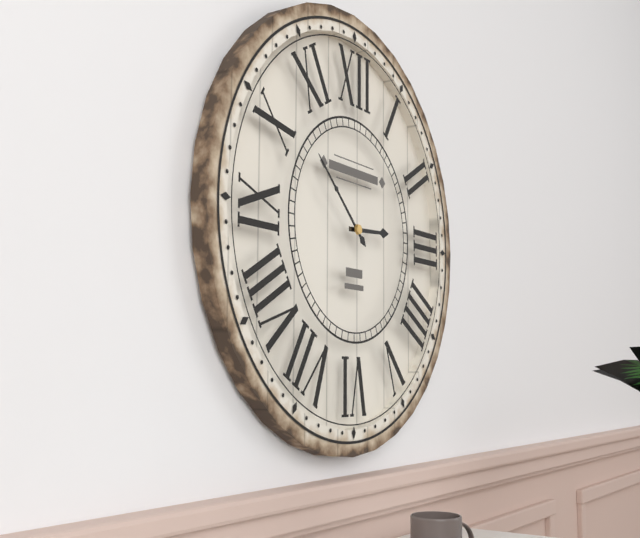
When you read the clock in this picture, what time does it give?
2:52
